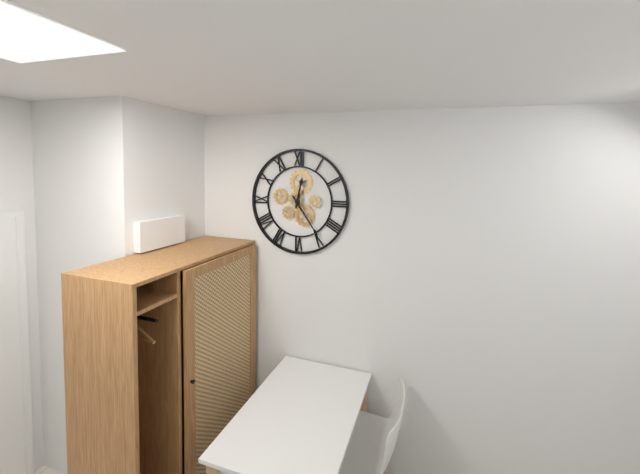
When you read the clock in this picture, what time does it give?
12:24
